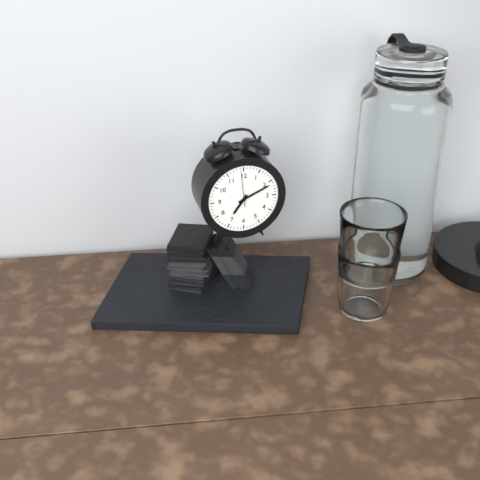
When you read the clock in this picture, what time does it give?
7:11
